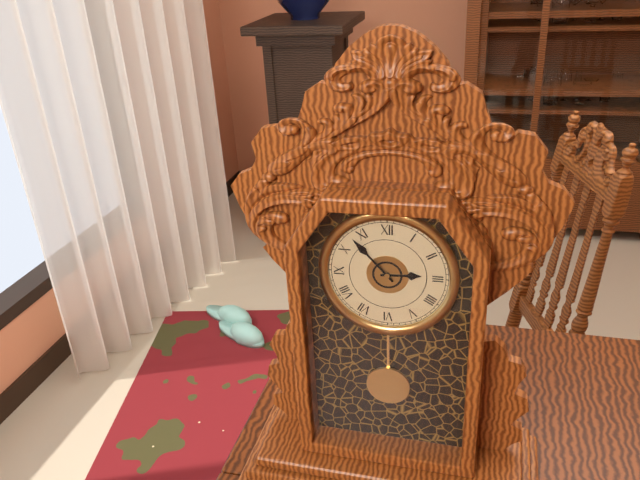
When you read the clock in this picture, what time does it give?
2:53
